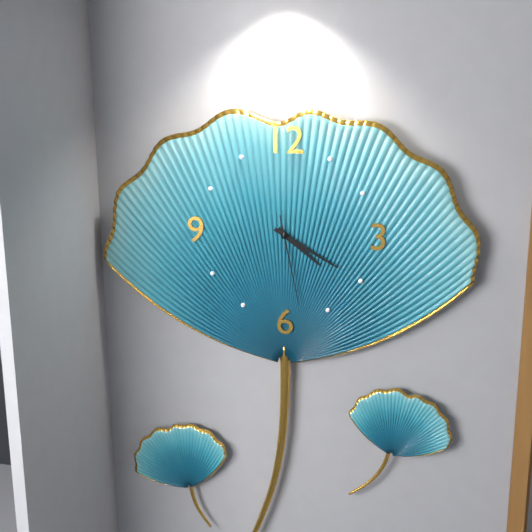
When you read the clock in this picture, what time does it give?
4:20:28
